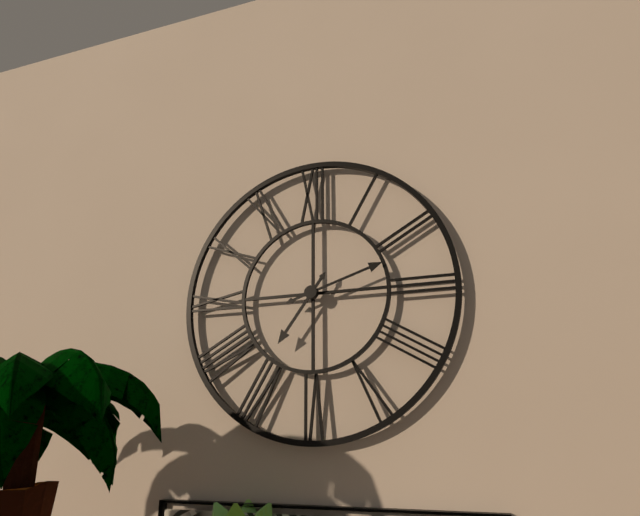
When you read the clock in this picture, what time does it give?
7:12
